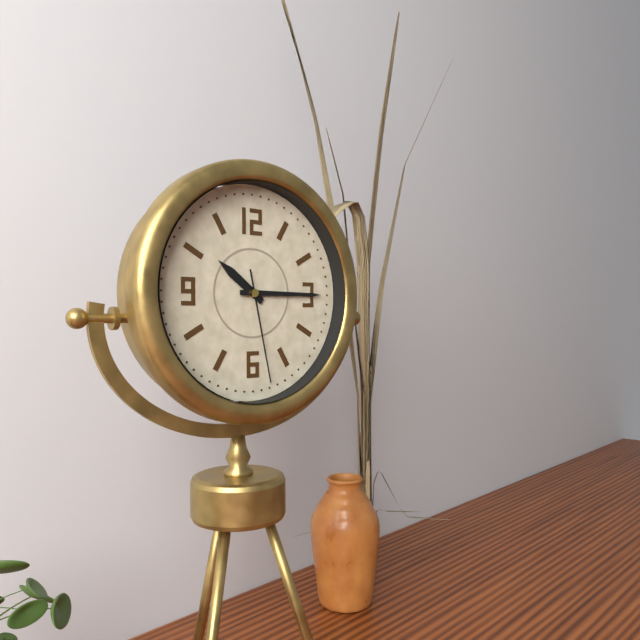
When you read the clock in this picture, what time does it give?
10:15:28
